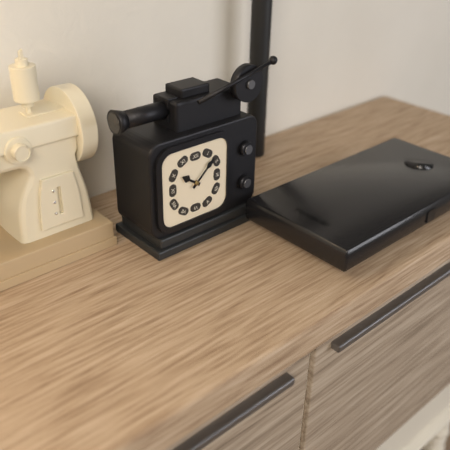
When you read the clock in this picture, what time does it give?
10:08
